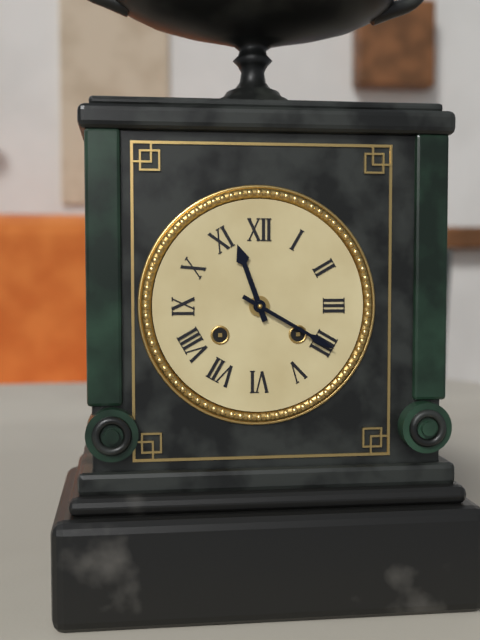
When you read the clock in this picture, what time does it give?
11:20
